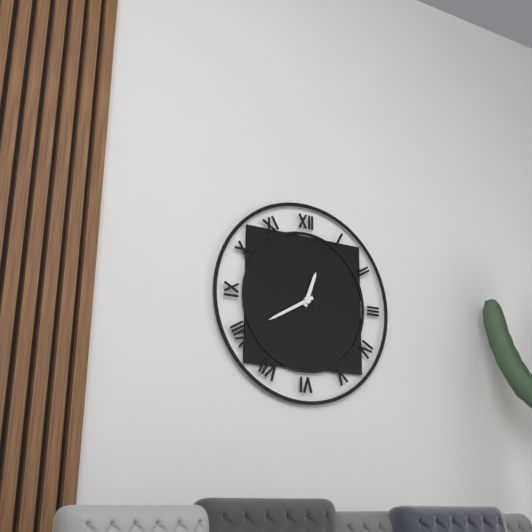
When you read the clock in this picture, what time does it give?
12:40
